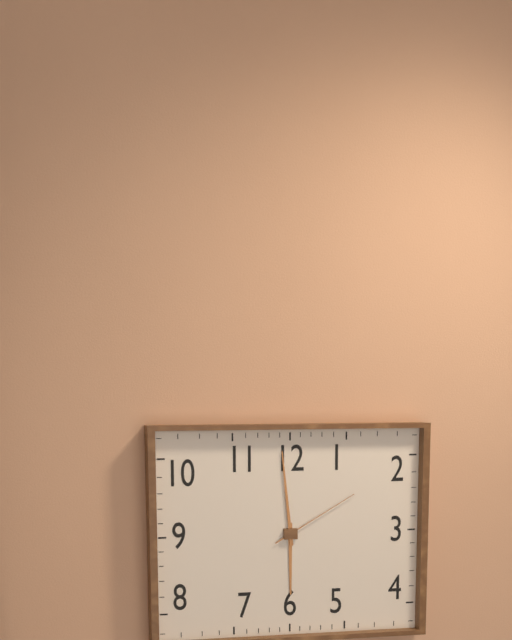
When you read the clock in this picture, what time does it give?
5:59:10
